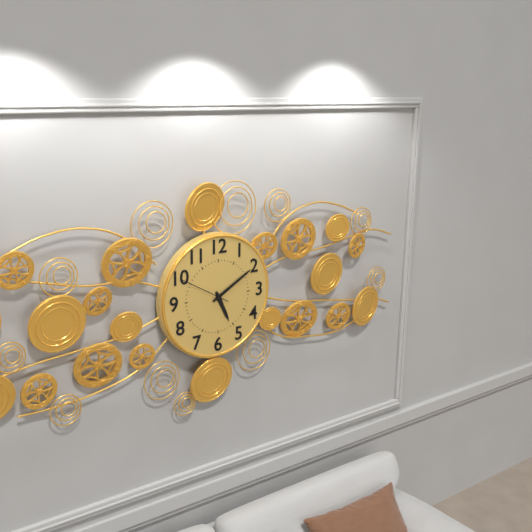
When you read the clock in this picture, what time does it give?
5:10:50
